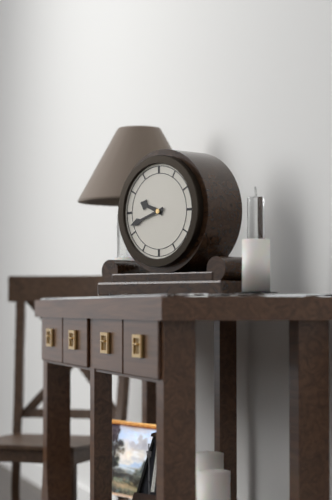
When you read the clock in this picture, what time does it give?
9:42
